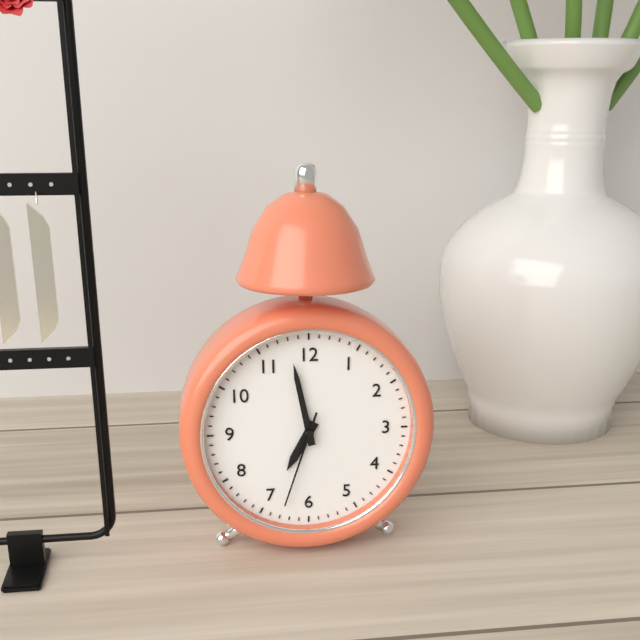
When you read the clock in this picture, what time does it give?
6:58:33
